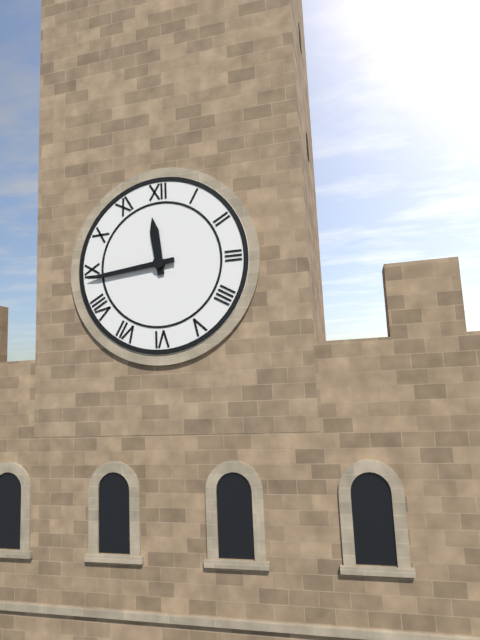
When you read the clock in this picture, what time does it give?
11:44
